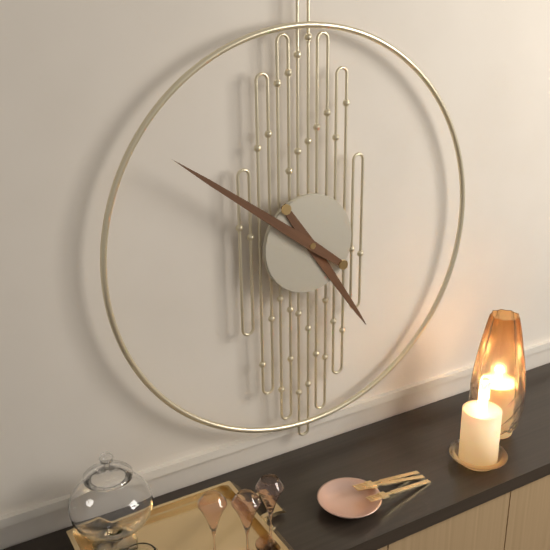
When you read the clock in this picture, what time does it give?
4:51
